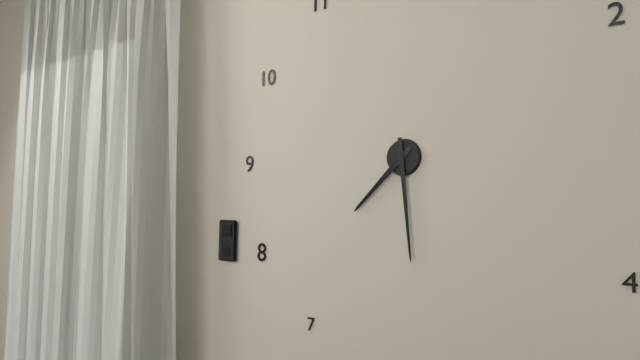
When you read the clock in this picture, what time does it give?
7:29
